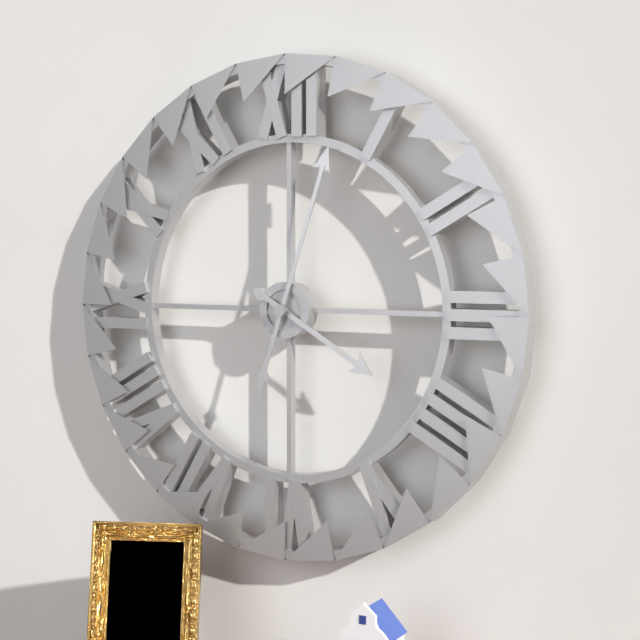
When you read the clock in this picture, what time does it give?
4:03
